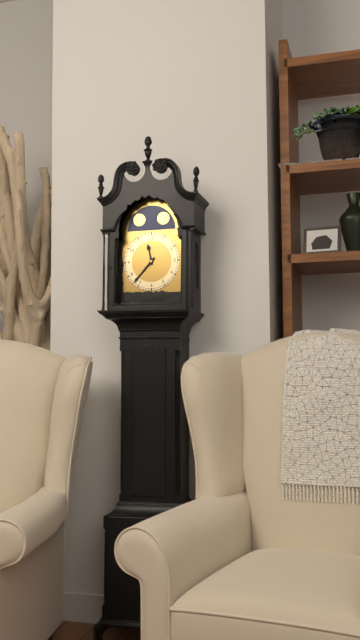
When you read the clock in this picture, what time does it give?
11:37
